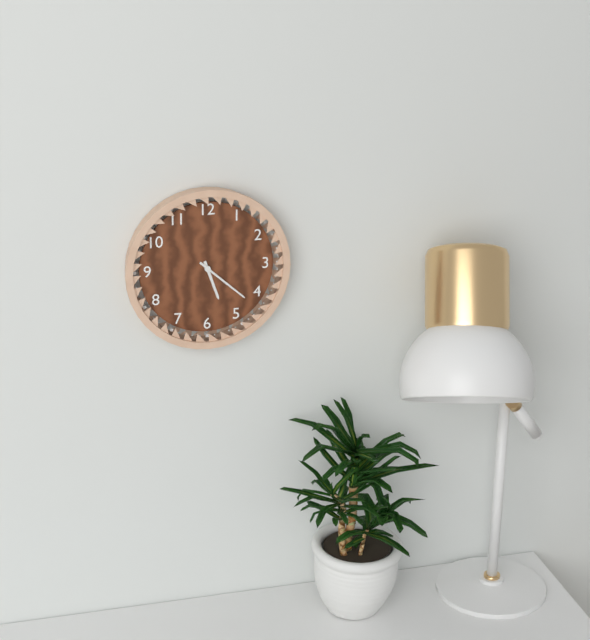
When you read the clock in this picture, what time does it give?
5:22
